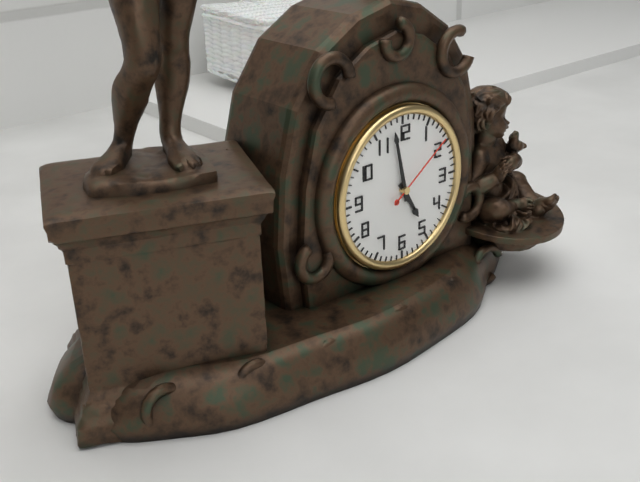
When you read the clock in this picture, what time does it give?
4:58:09
